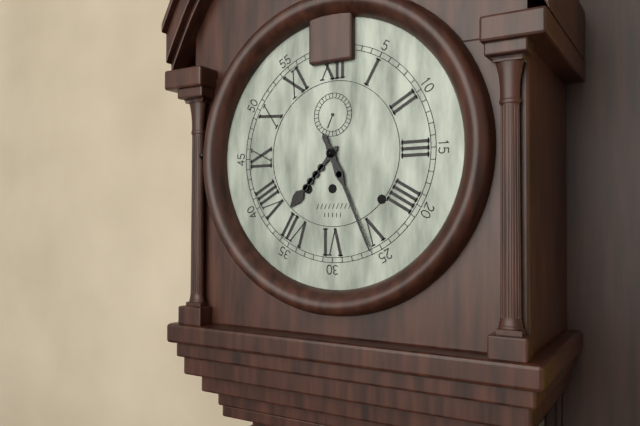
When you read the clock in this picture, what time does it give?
7:26
